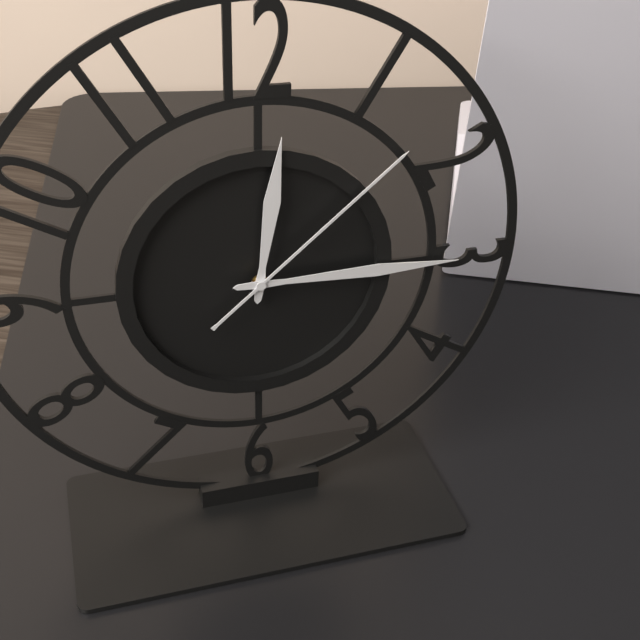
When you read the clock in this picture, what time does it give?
12:15:08
